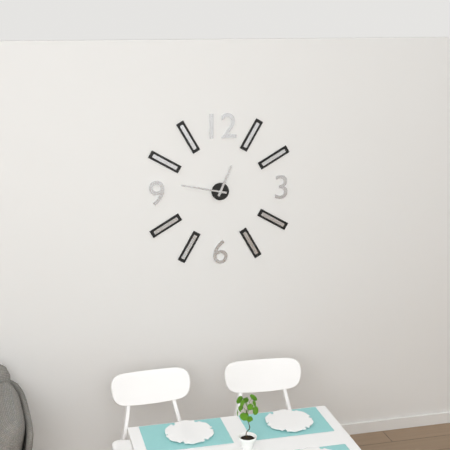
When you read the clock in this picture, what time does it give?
12:47
